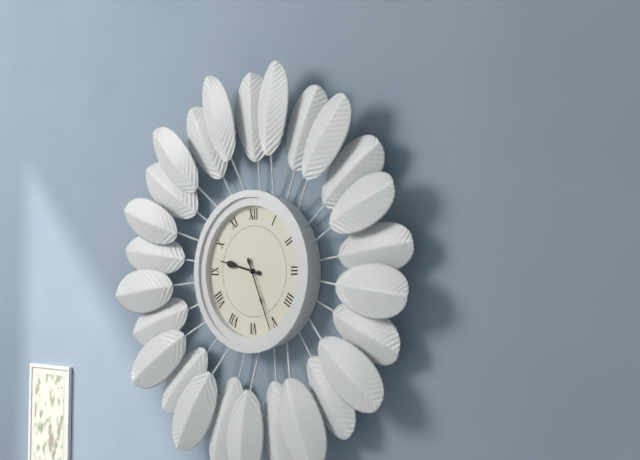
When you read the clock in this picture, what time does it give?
9:26
